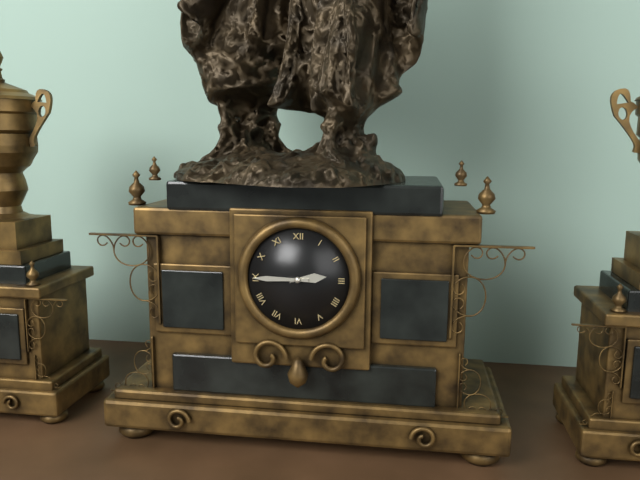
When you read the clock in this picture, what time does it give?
2:45
